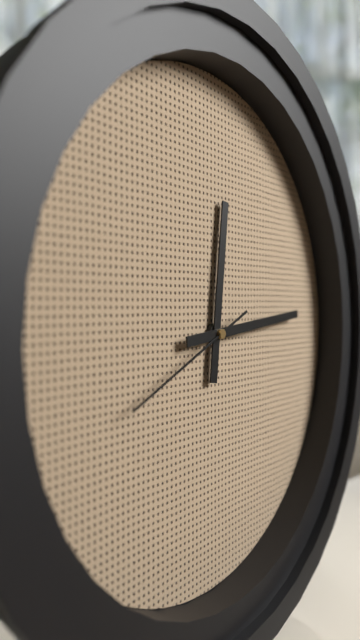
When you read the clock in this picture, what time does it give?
12:14:41
